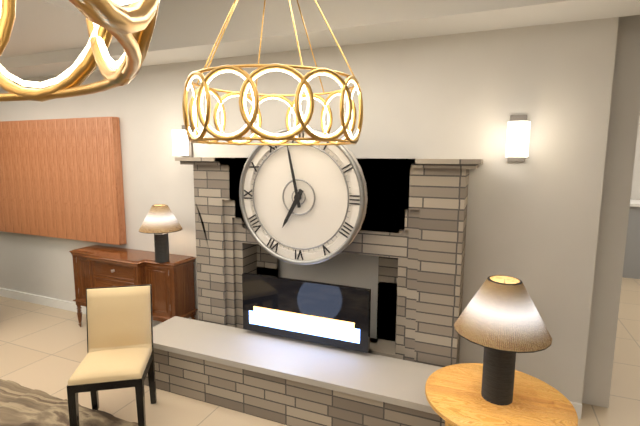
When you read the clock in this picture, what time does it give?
6:58
